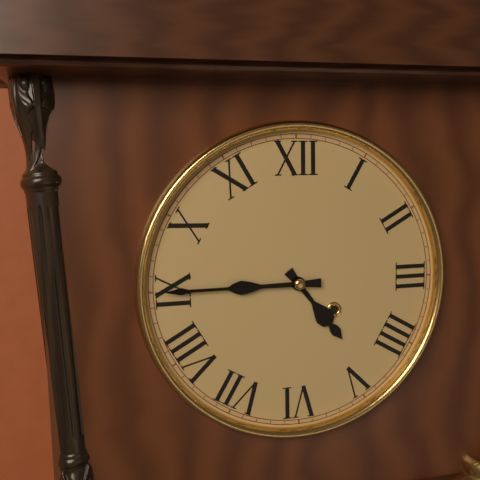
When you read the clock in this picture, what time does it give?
4:45
